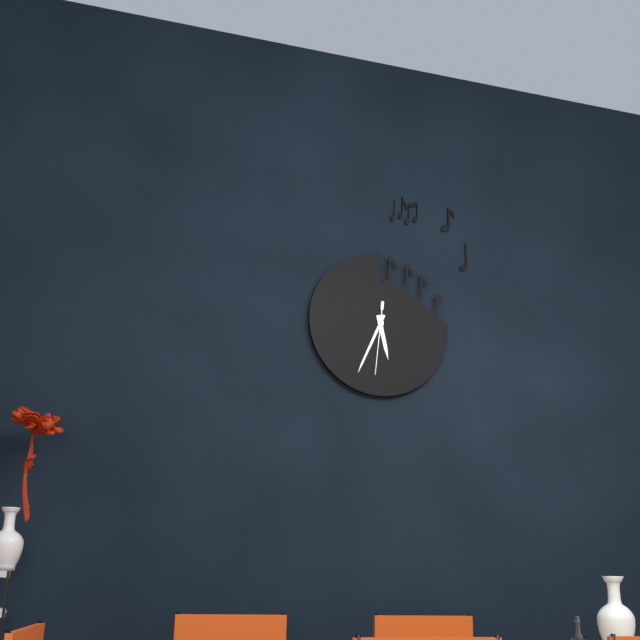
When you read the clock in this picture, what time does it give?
5:34:31
